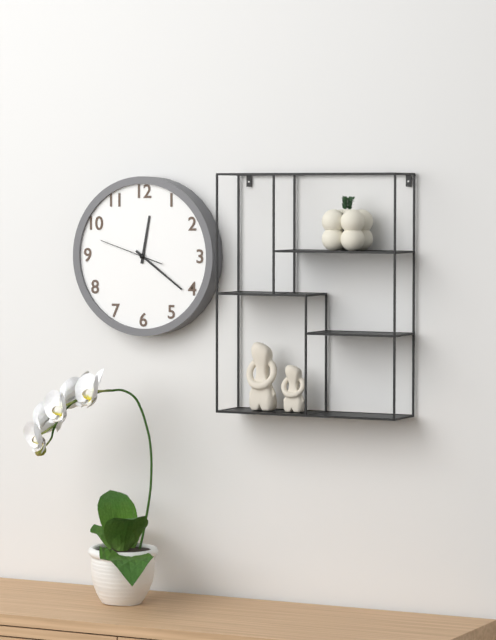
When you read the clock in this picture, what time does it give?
12:21:48
